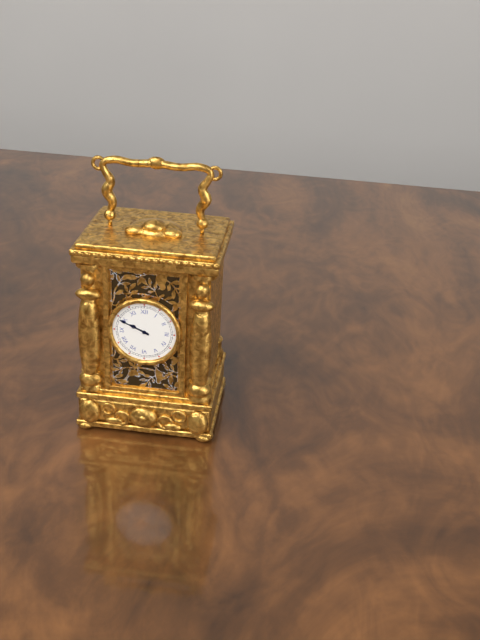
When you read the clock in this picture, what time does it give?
9:49
